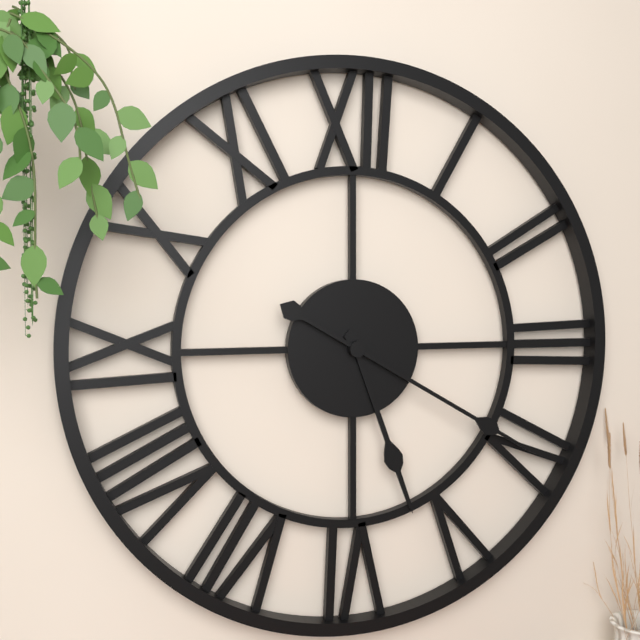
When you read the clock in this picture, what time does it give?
5:20
